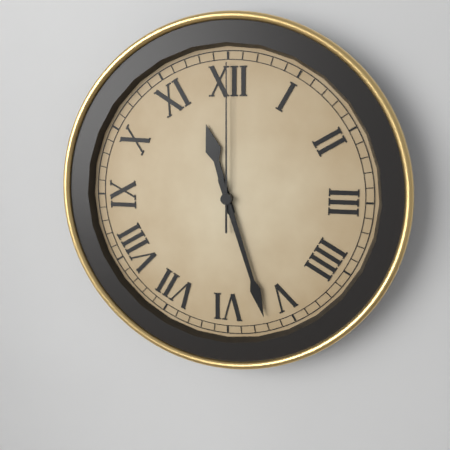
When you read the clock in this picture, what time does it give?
11:27:00
